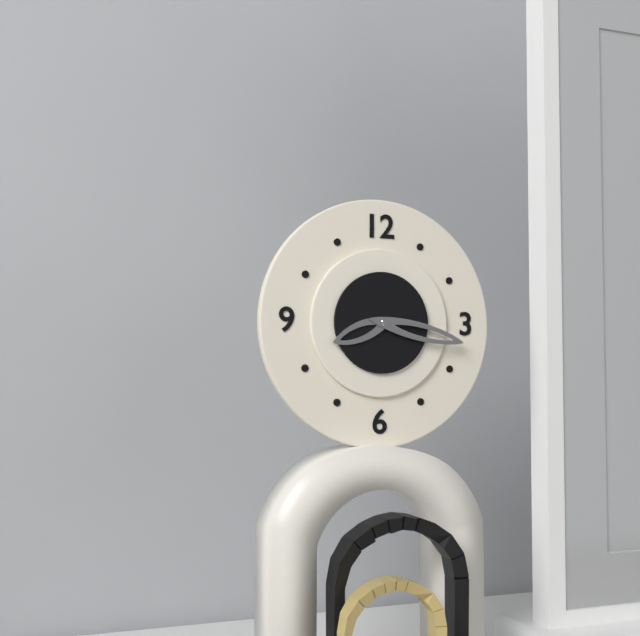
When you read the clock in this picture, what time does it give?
8:17
